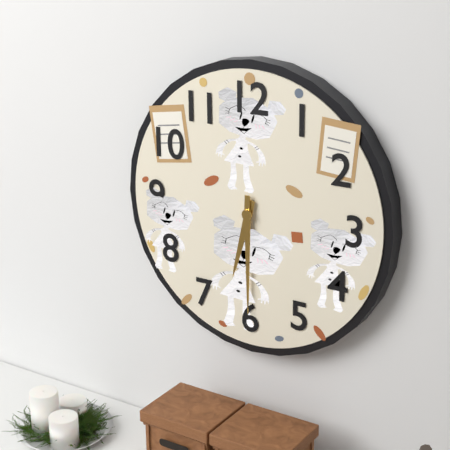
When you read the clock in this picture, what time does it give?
6:30
